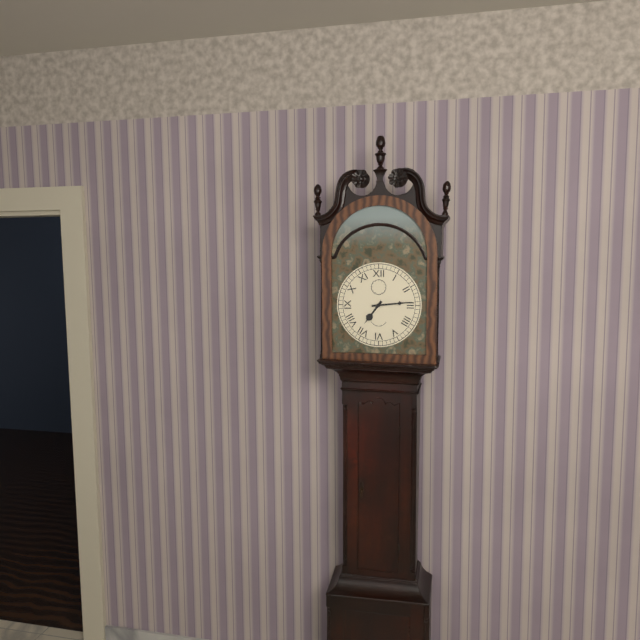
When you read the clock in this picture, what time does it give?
7:14
